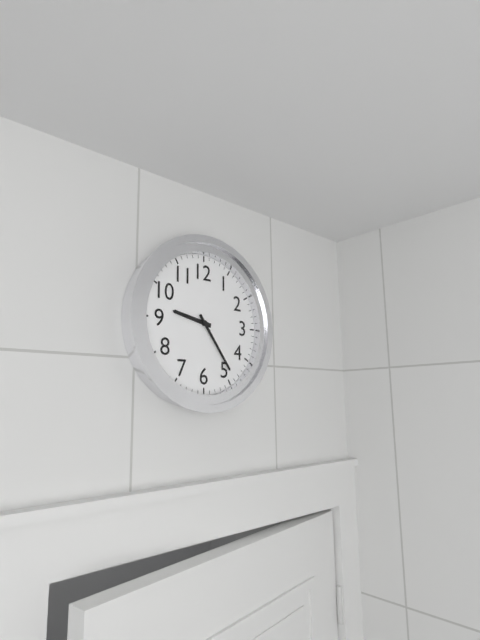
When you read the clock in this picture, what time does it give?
9:24
